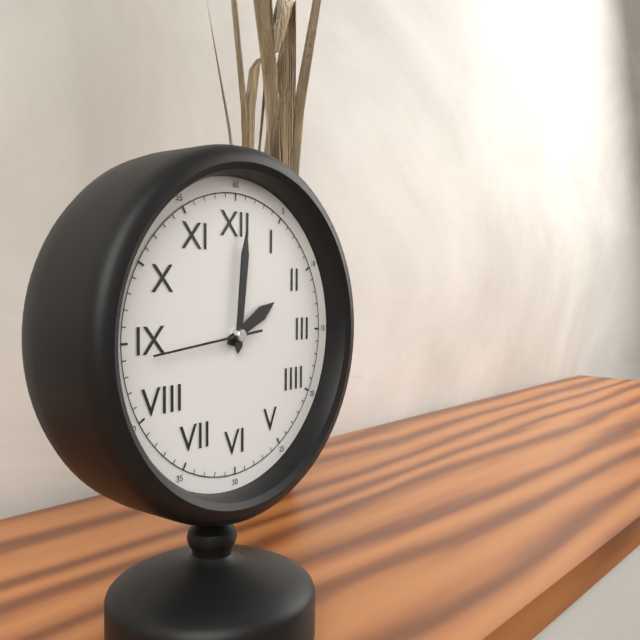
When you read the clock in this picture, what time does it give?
2:01:44
